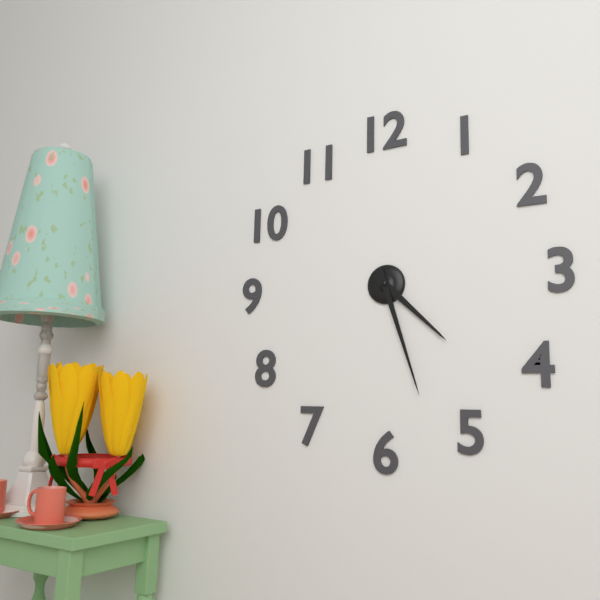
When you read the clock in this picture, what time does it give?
4:27
